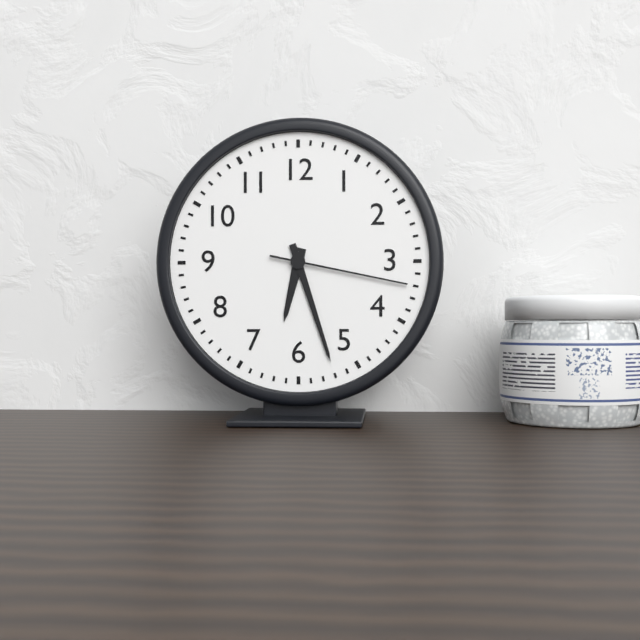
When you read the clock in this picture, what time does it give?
6:27:17
